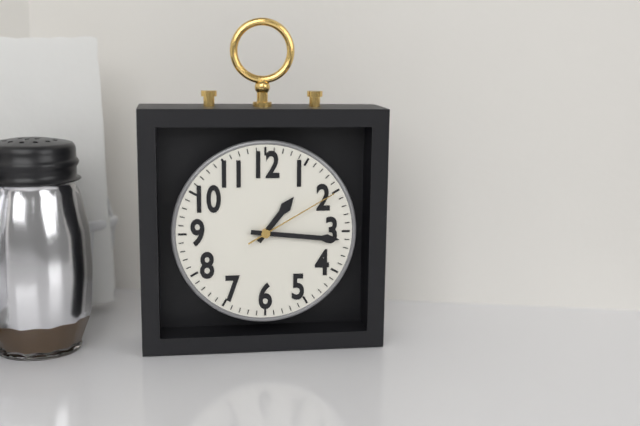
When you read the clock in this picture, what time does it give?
1:16:10
